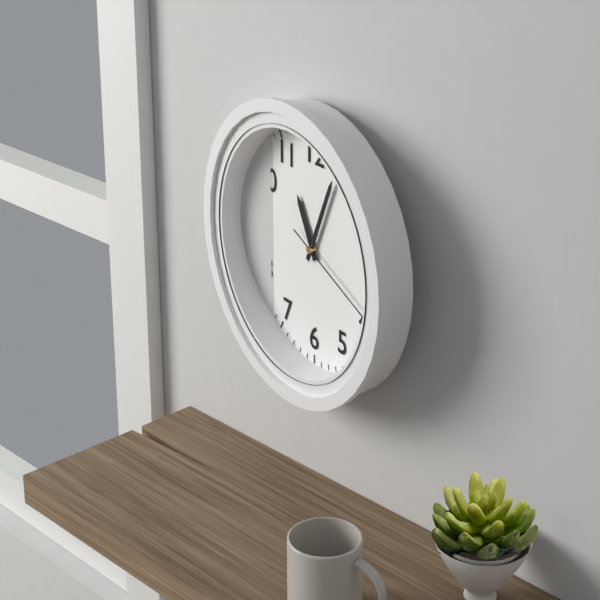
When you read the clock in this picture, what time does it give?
11:04:19
